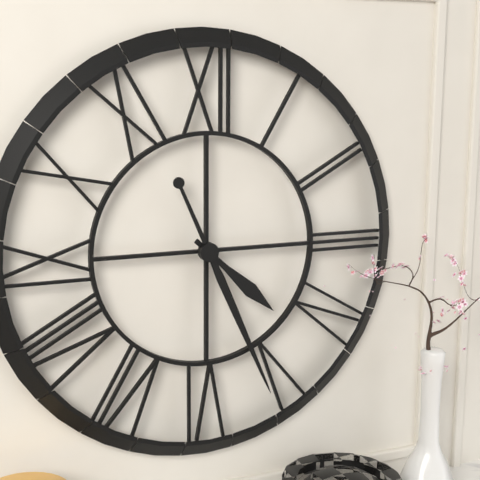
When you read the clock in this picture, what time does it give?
4:26
